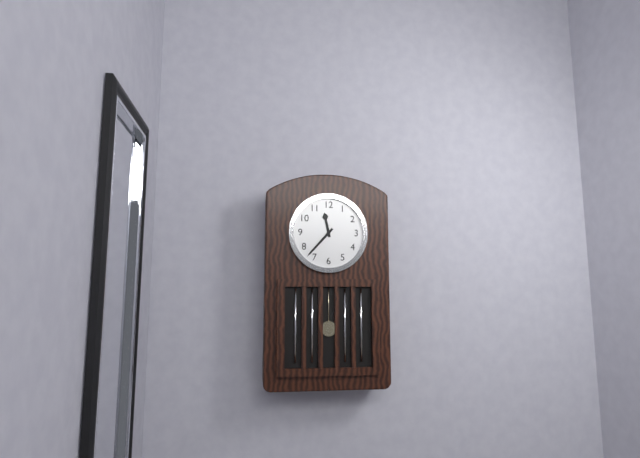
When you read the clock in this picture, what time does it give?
11:37
